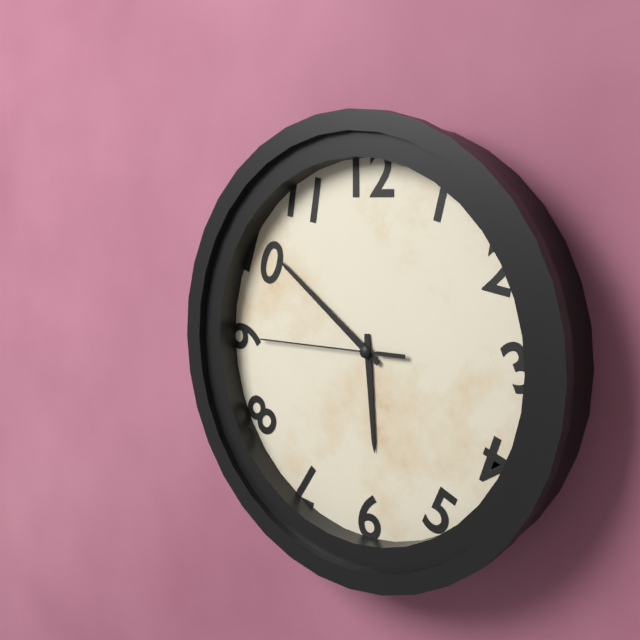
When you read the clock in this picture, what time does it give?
5:51:45
